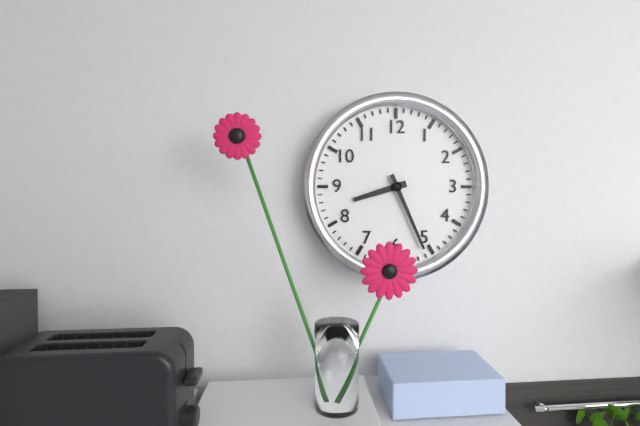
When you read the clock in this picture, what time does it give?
8:26
